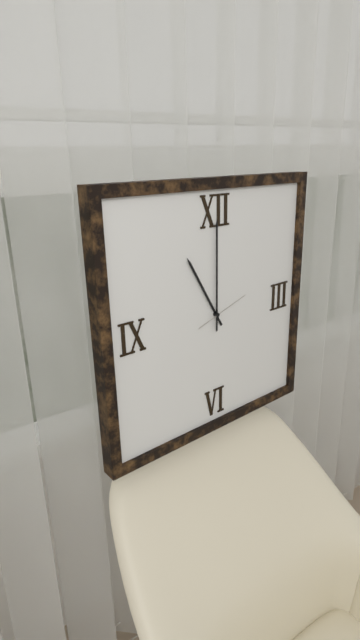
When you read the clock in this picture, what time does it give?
11:00
